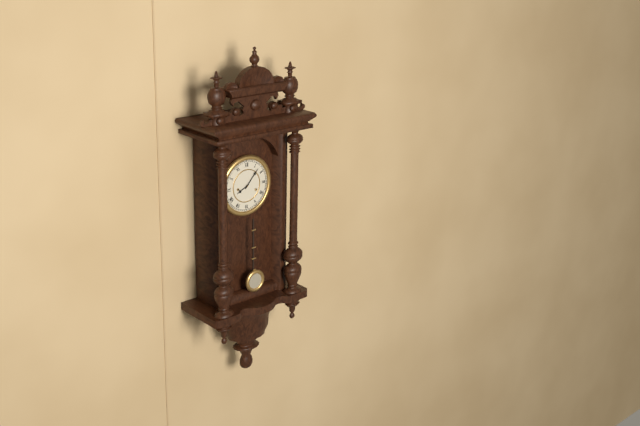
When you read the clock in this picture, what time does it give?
8:07
